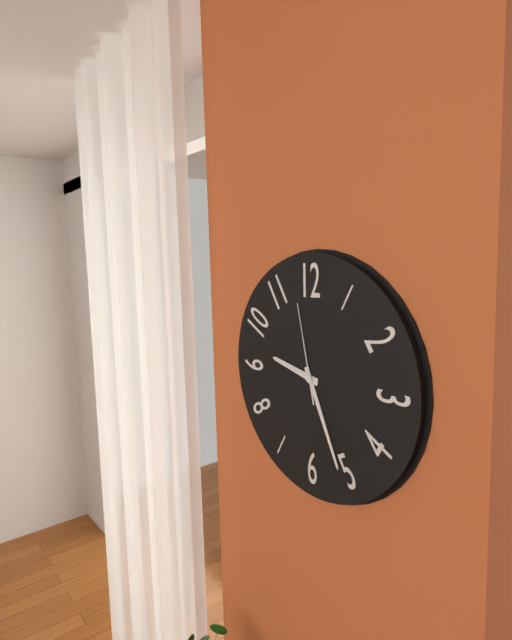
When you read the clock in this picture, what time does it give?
9:26:58
